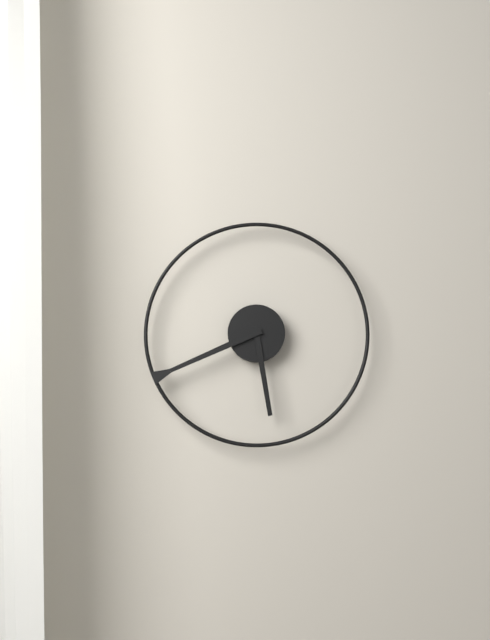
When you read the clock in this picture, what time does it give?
5:41
